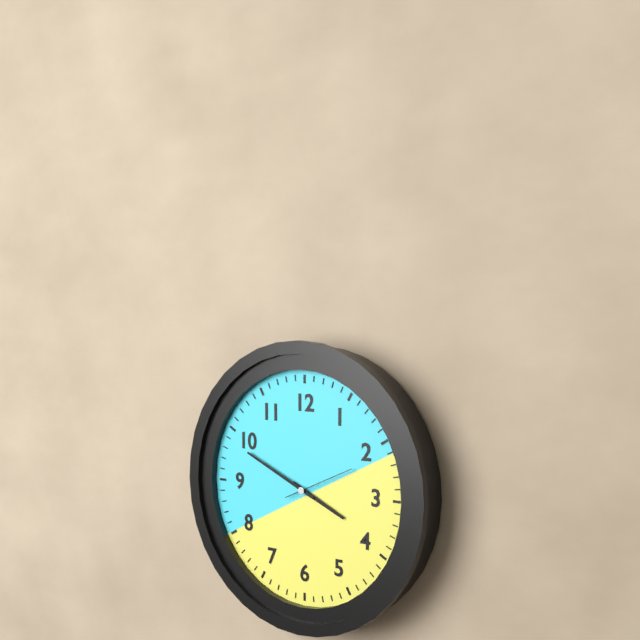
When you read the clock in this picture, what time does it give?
3:49:11
